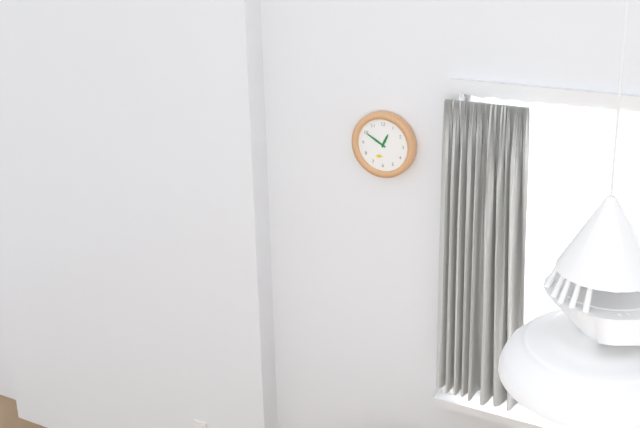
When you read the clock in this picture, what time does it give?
12:50
